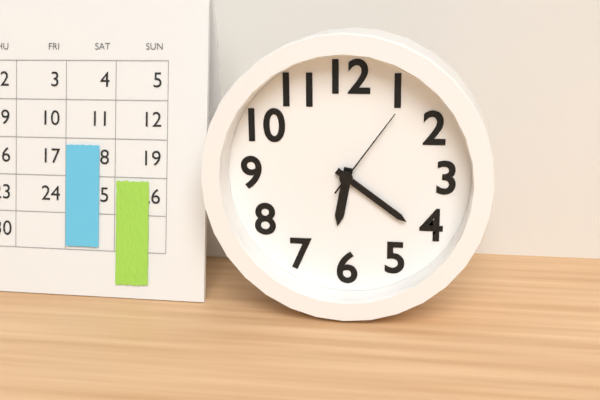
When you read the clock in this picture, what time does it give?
6:21:06
